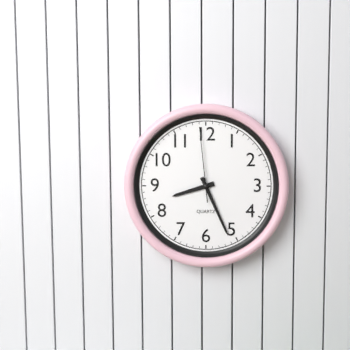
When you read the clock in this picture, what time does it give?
8:26:59
